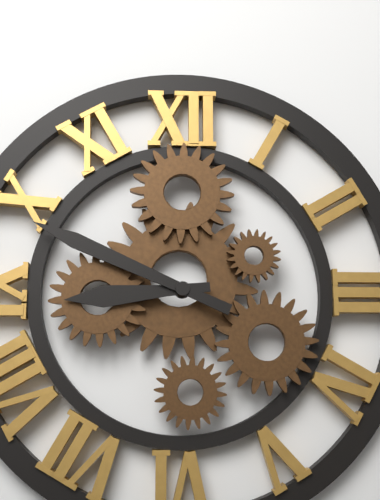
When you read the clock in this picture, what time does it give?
8:49
